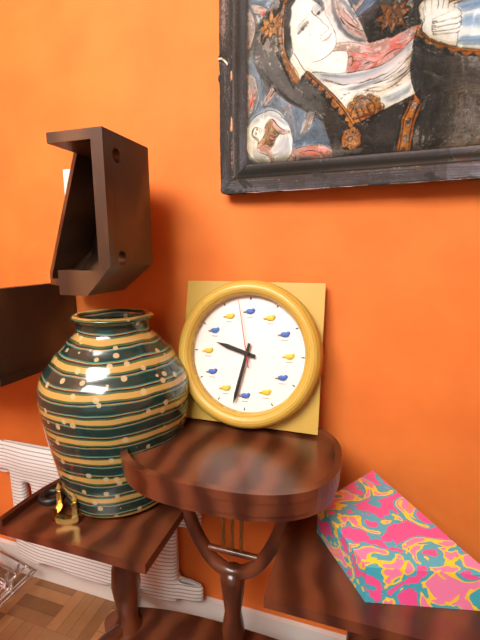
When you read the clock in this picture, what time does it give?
9:32:58
